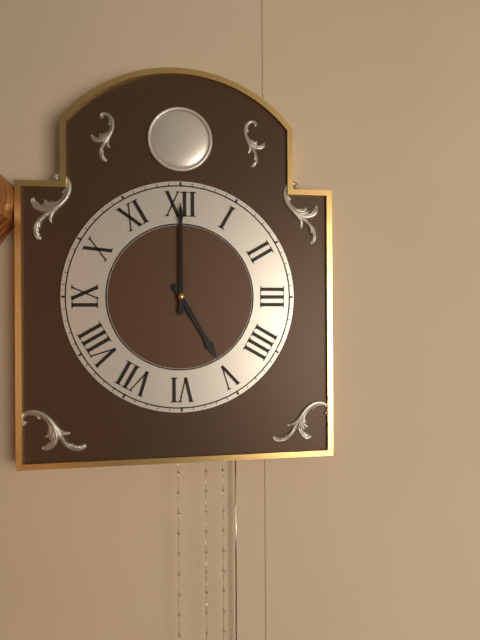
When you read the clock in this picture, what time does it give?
5:00
